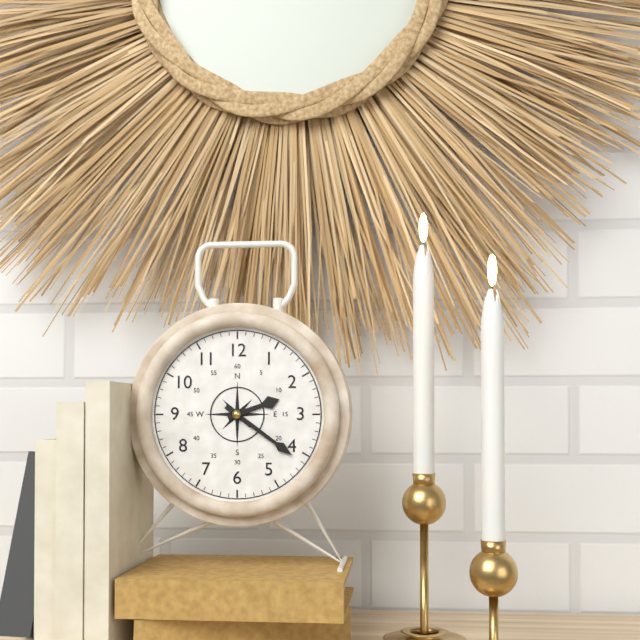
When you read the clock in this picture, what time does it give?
2:21
